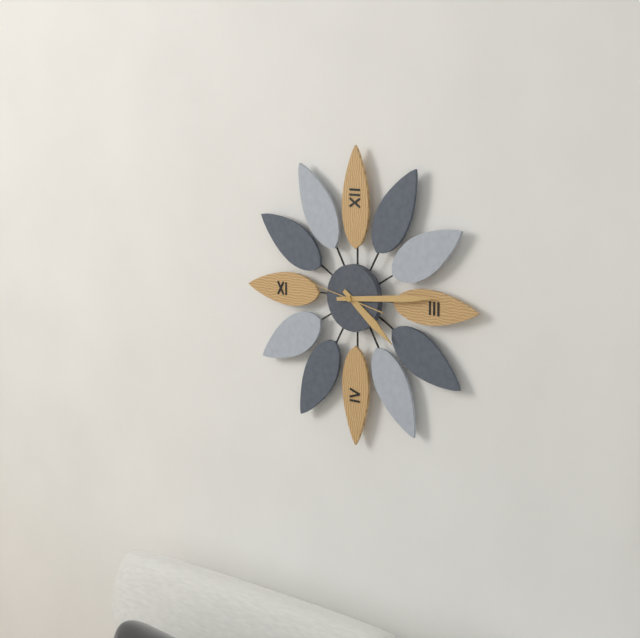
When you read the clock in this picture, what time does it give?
4:14:47
